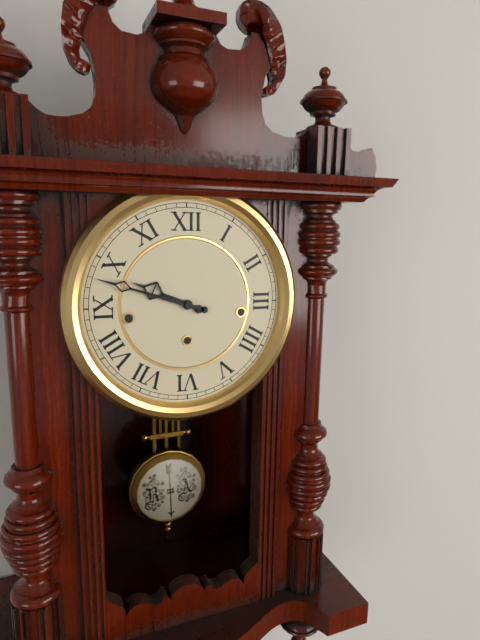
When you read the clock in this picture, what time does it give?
9:48
